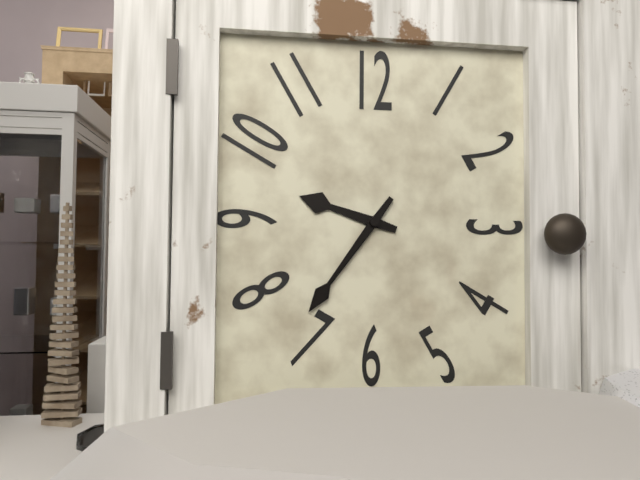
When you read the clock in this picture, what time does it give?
9:36
